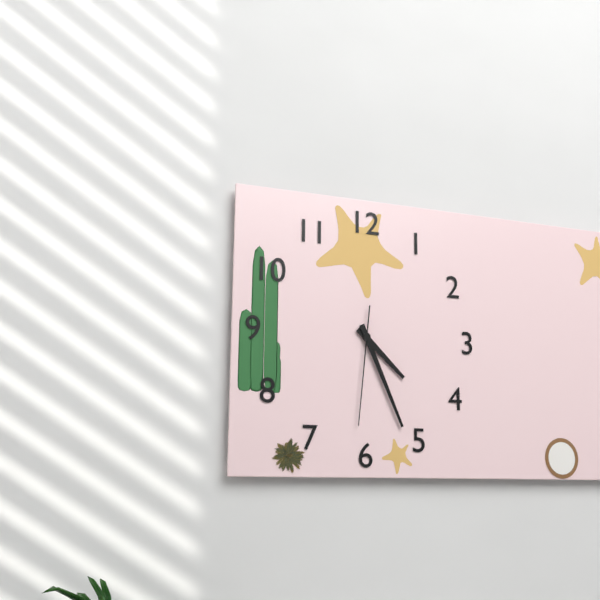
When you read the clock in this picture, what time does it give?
4:26:31
